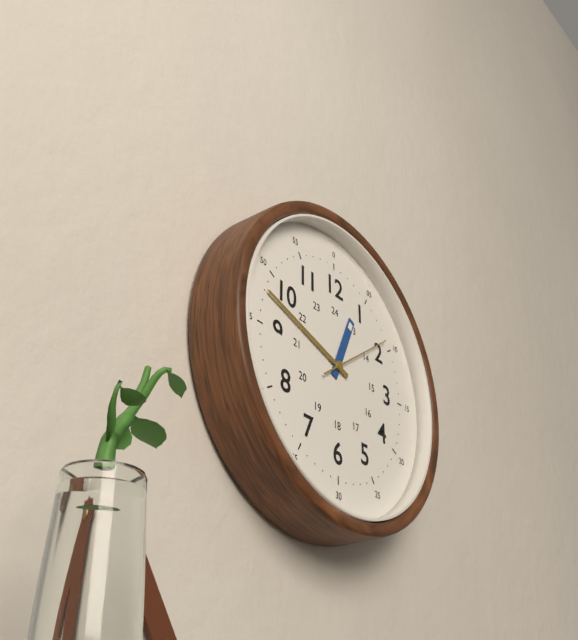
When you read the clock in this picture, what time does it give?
12:48:09
